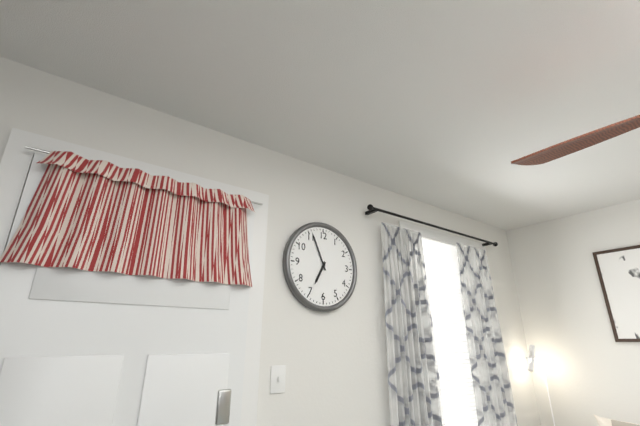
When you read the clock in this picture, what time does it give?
6:56
